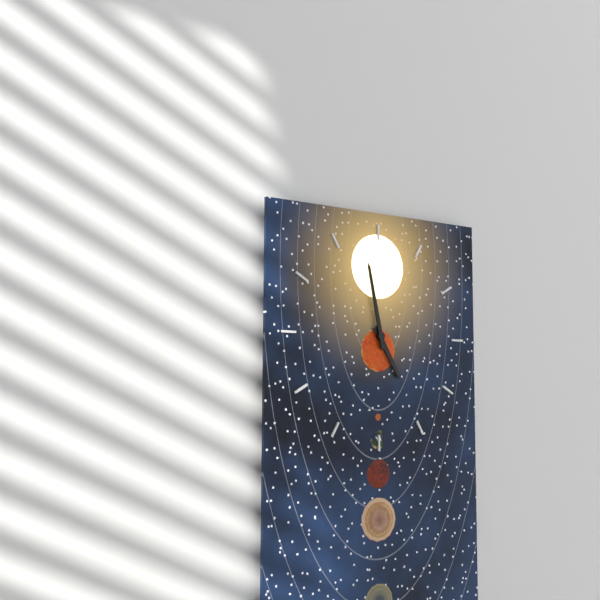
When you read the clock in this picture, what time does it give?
4:58
